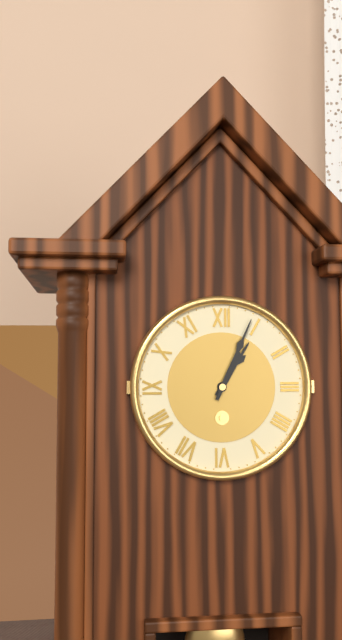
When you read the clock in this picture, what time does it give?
1:04
